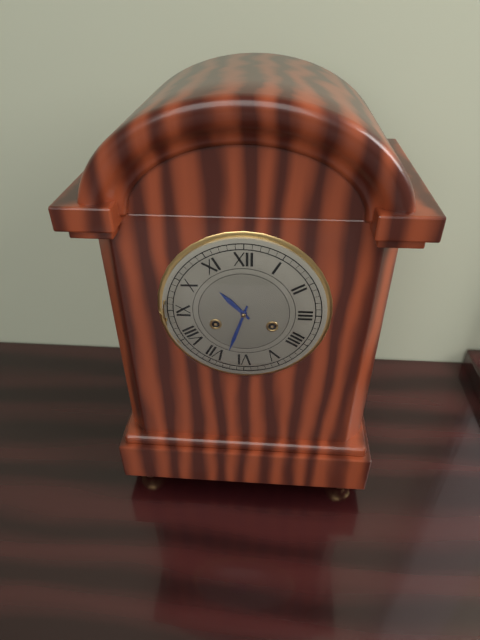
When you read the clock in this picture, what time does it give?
10:33
